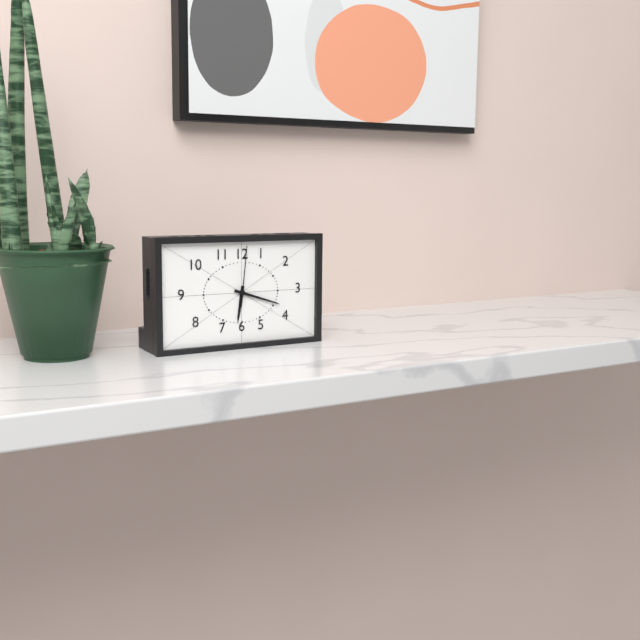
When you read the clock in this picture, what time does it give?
6:18:01
